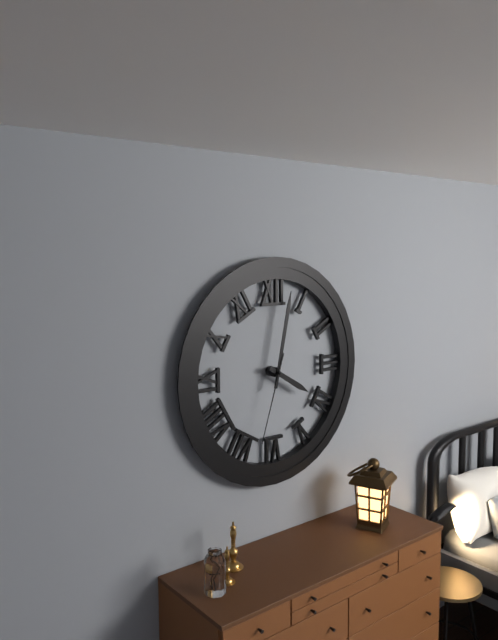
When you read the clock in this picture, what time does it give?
4:02:33
